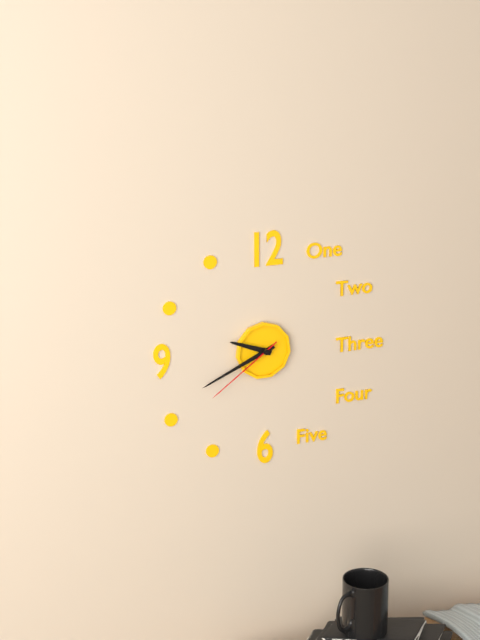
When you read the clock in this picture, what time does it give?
9:41:39
